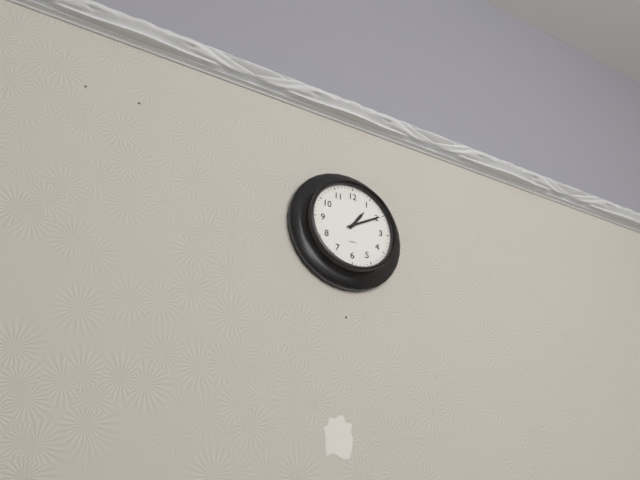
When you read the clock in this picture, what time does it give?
1:10
